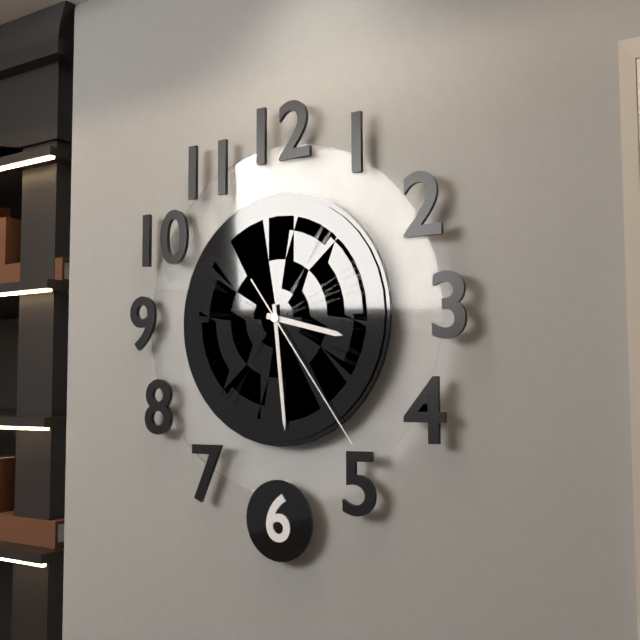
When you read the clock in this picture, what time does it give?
3:29:24
